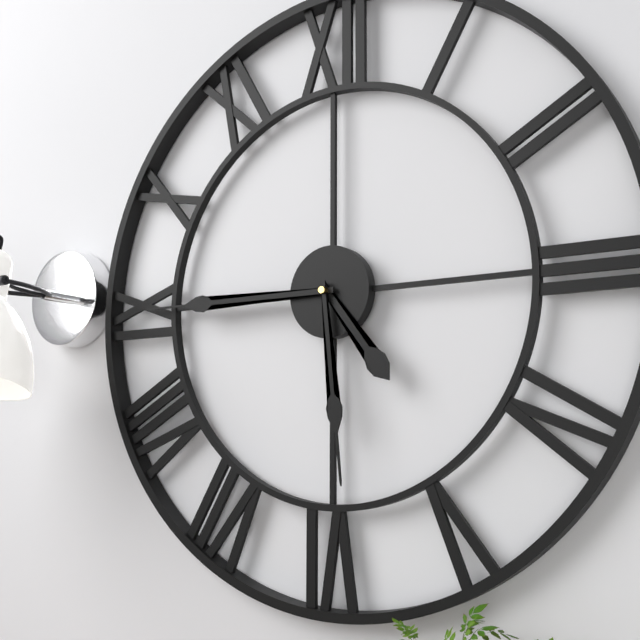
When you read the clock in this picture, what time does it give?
4:45:29
